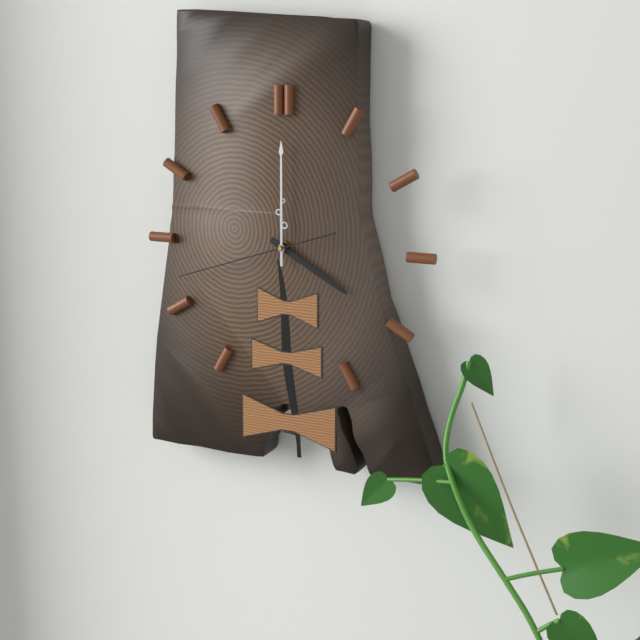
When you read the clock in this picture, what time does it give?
4:00:42
